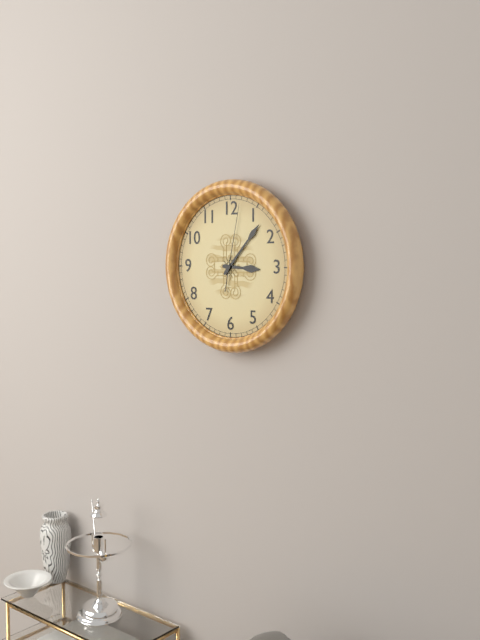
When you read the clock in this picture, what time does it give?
3:07:02
